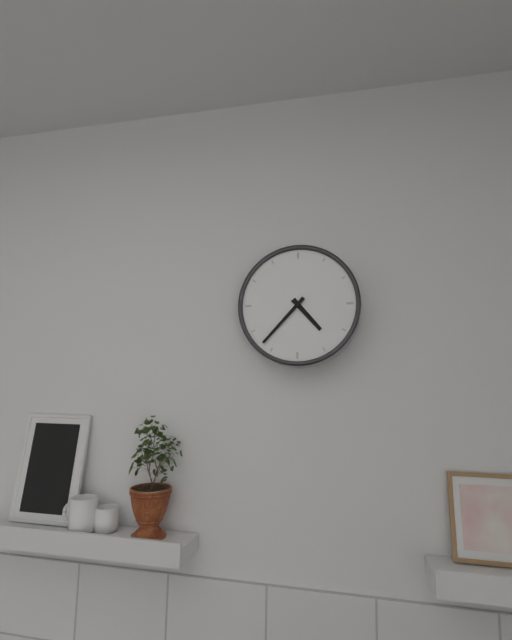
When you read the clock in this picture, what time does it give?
4:37
